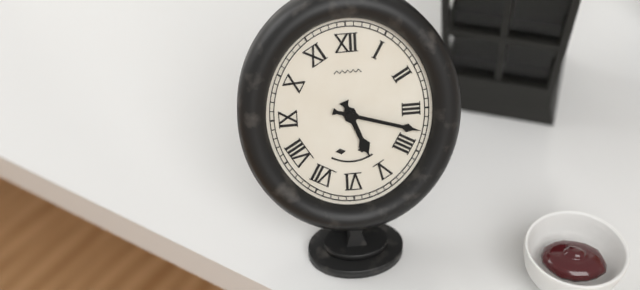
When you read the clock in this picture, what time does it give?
5:18
